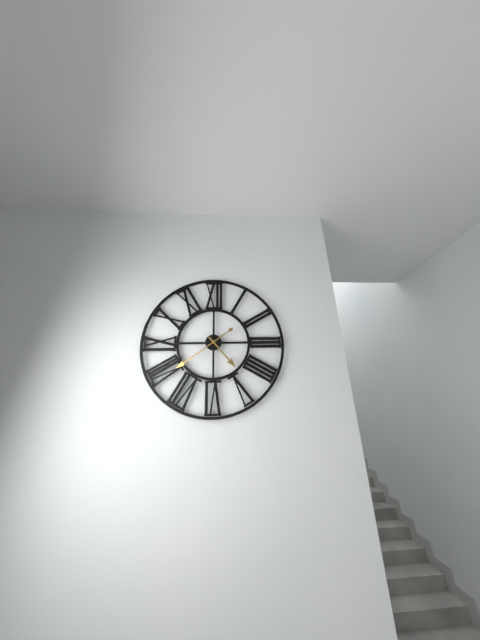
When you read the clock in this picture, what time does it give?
4:39
